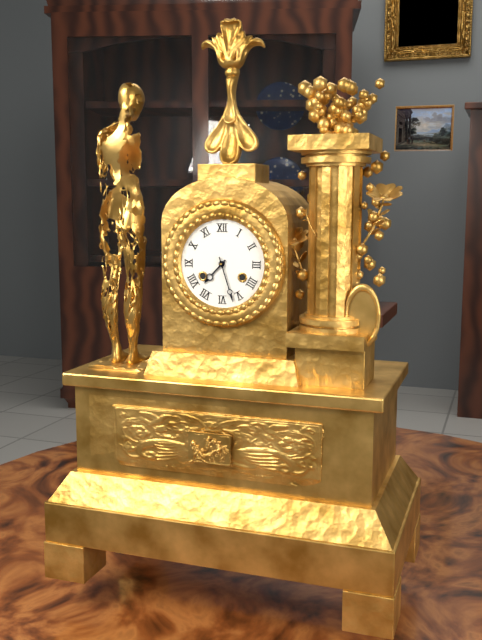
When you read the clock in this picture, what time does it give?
7:27
